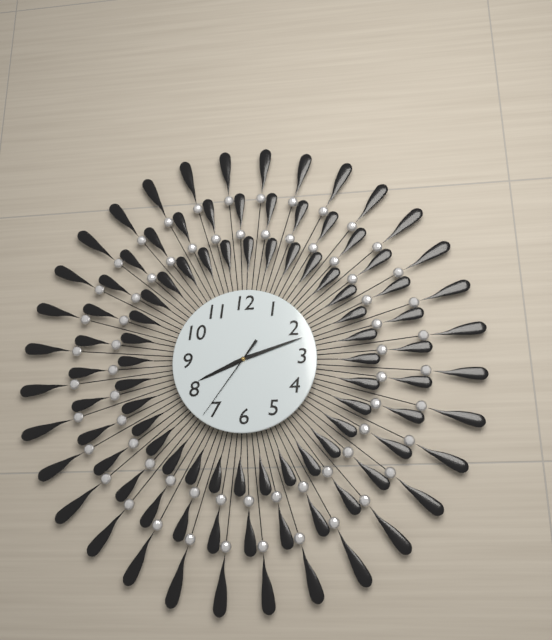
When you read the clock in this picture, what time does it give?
8:12:36
